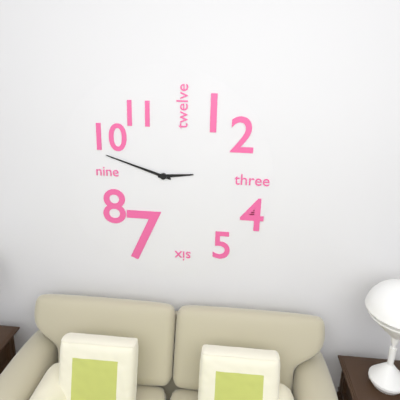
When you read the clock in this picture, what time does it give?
2:48
